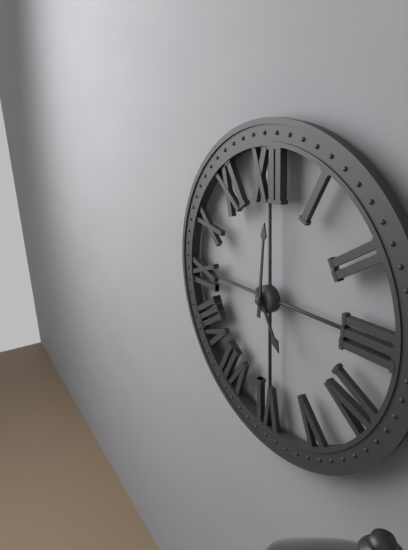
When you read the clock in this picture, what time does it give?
5:01
